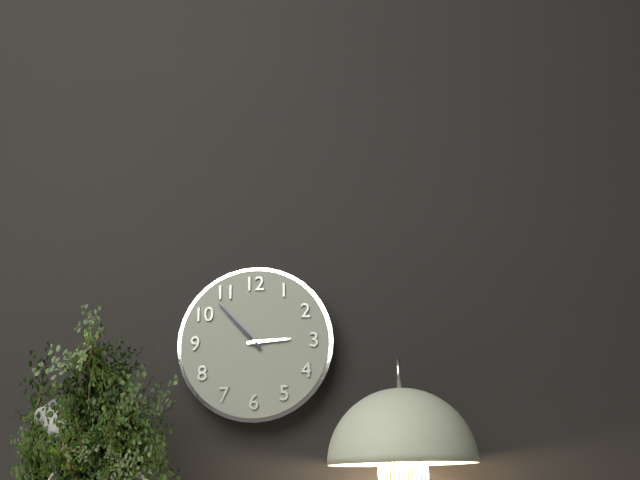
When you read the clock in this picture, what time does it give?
2:53
